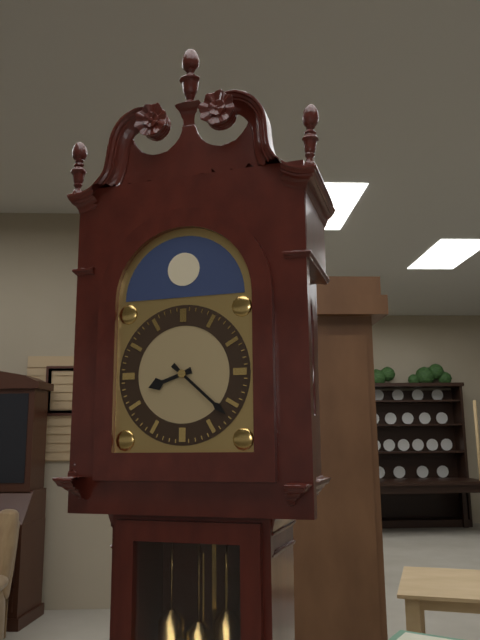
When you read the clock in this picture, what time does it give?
8:22
